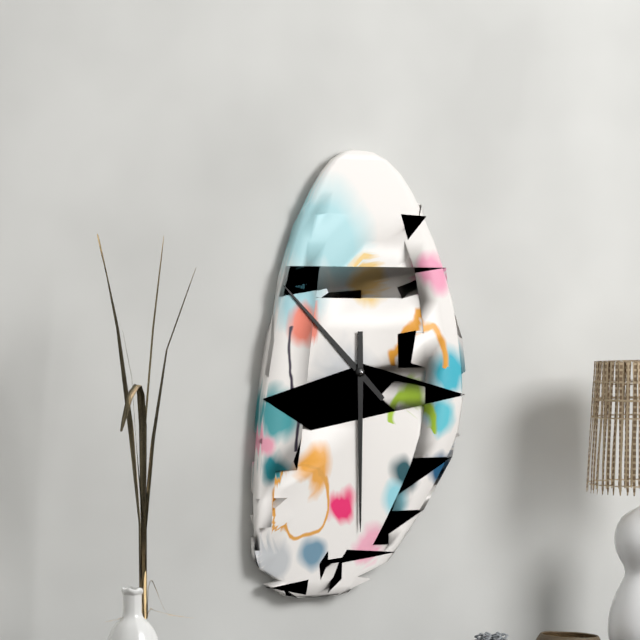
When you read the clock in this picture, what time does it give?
10:30
